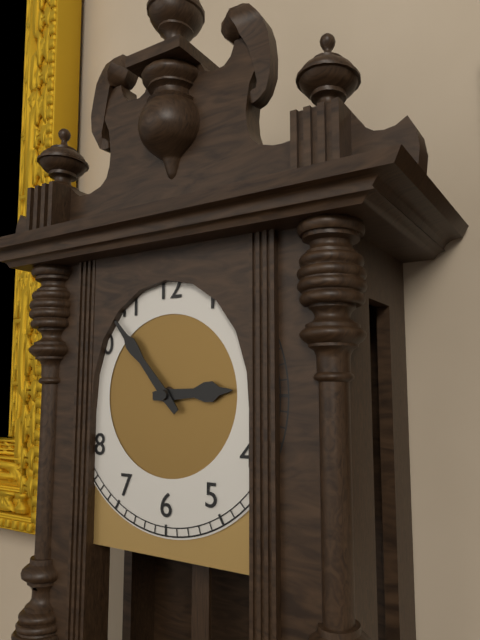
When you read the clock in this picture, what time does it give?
2:53
